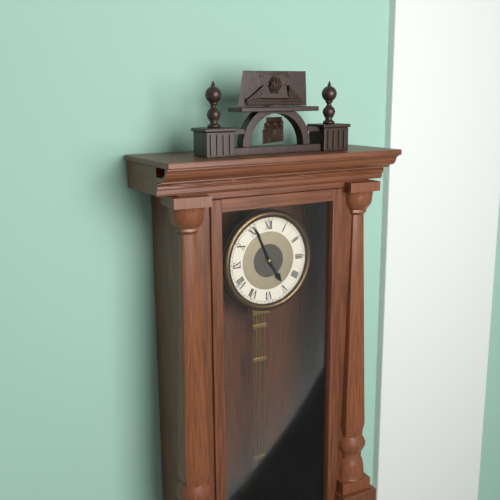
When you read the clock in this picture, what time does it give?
4:56
